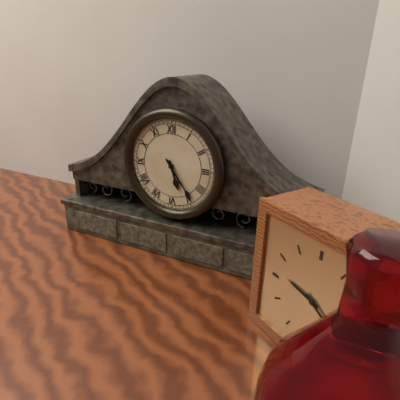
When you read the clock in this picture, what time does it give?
5:24
